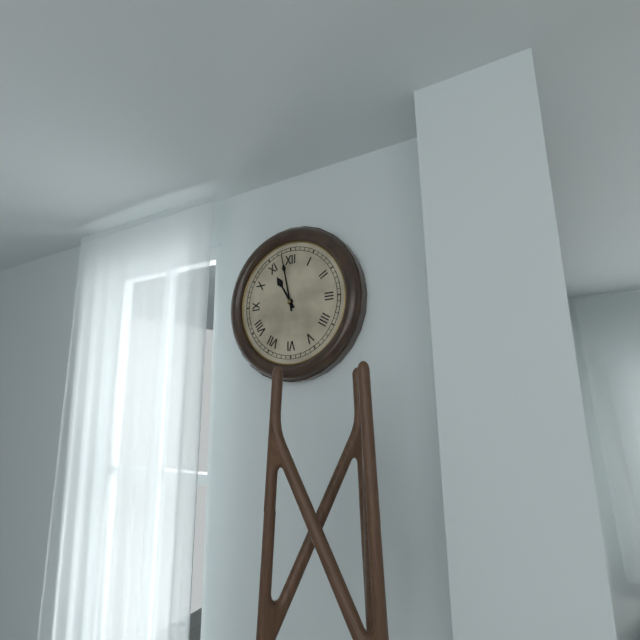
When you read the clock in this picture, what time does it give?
10:58
